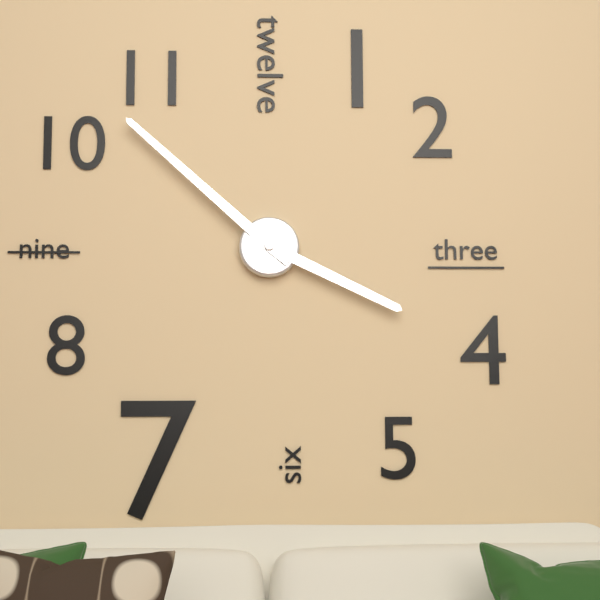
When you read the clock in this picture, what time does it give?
3:52
